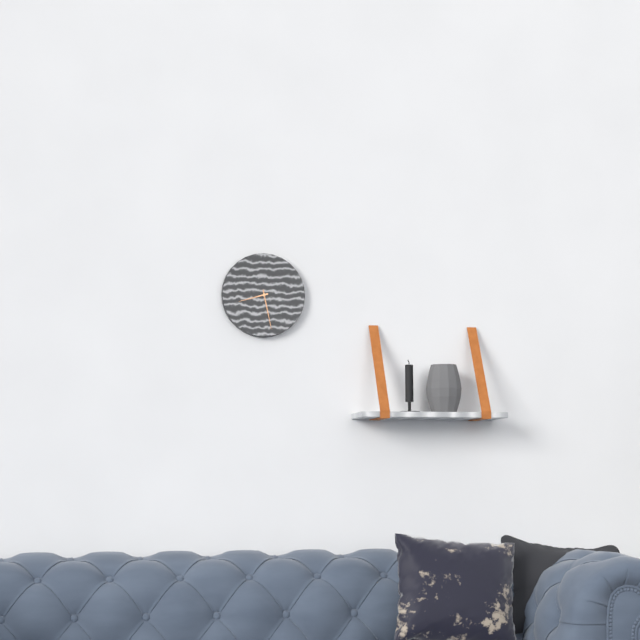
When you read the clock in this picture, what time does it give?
8:28
